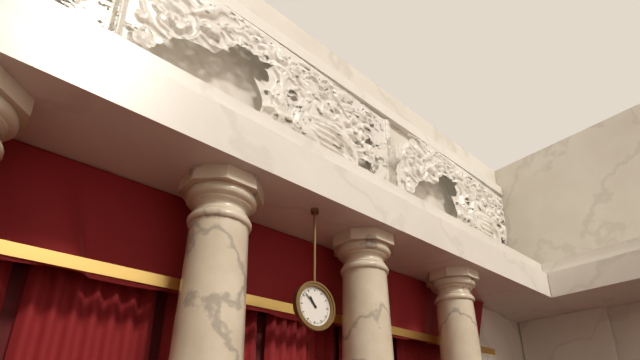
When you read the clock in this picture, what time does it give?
10:52
